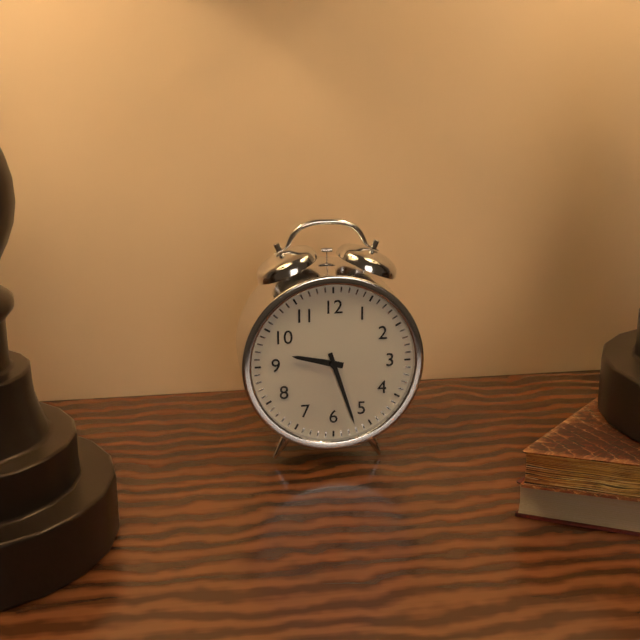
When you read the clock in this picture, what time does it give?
9:27
